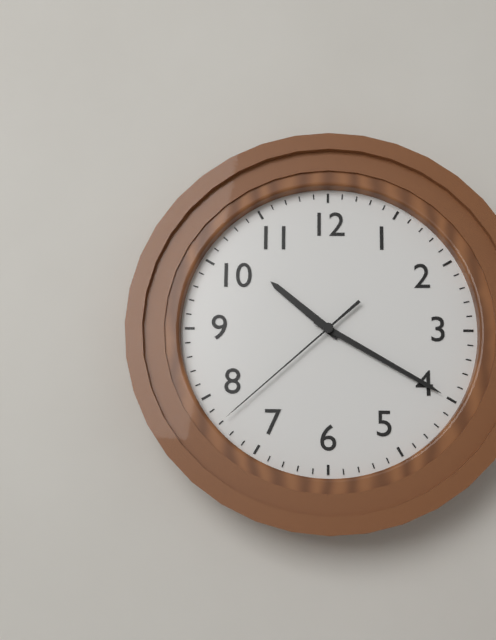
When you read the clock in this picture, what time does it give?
10:20:38
